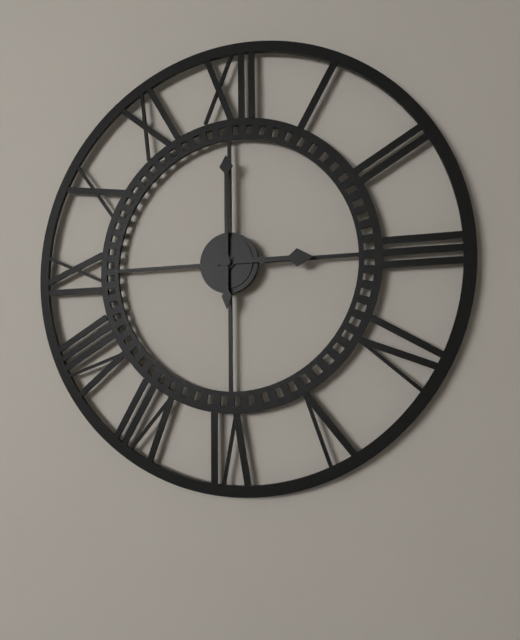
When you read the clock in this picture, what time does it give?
3:00
